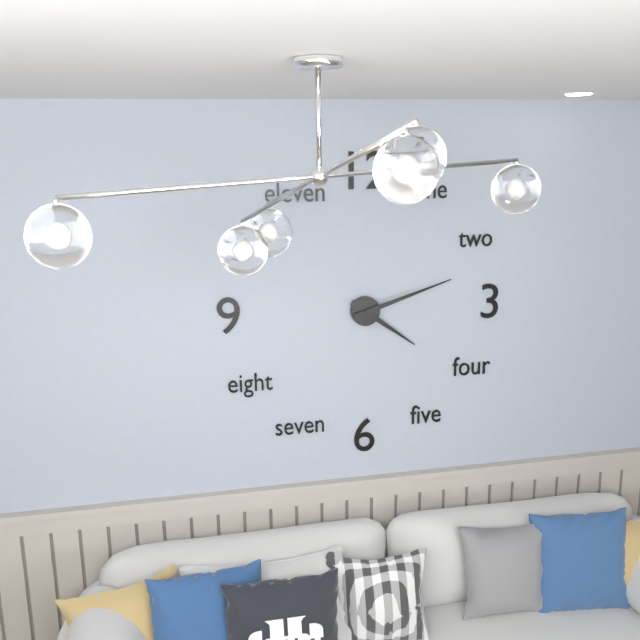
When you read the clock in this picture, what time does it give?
4:12
